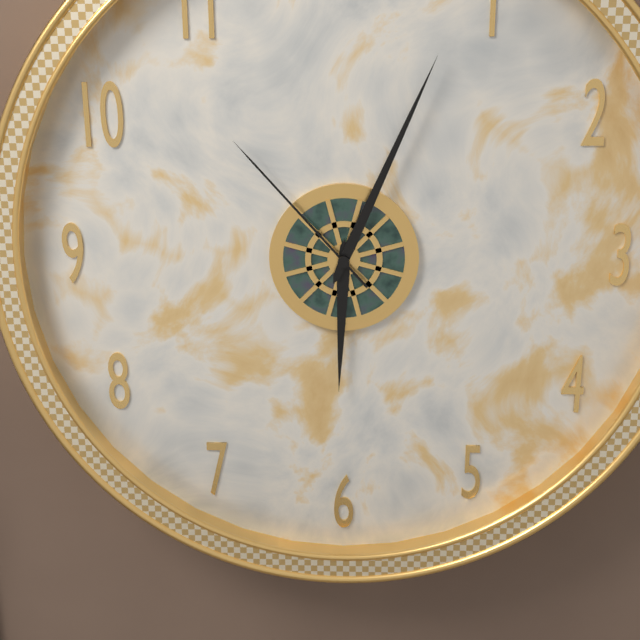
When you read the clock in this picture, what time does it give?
6:04:53
